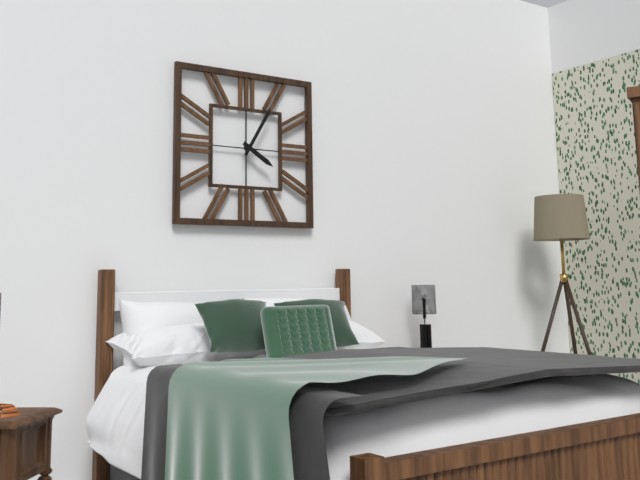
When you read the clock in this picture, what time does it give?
4:05
